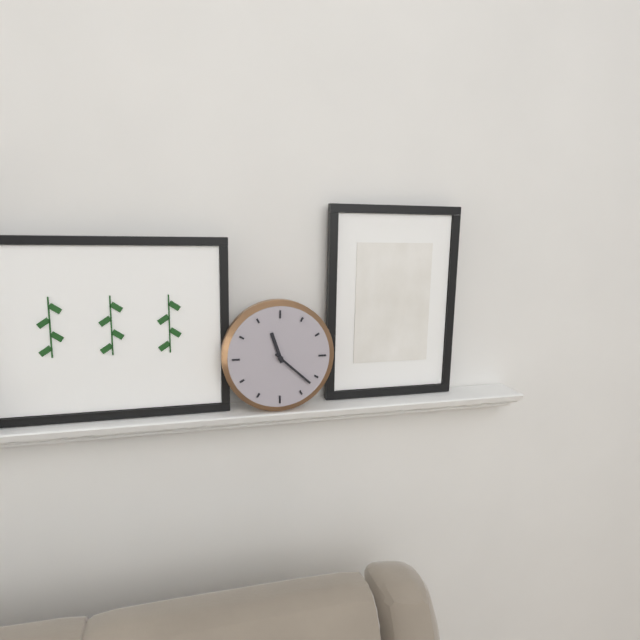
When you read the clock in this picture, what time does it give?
11:22
